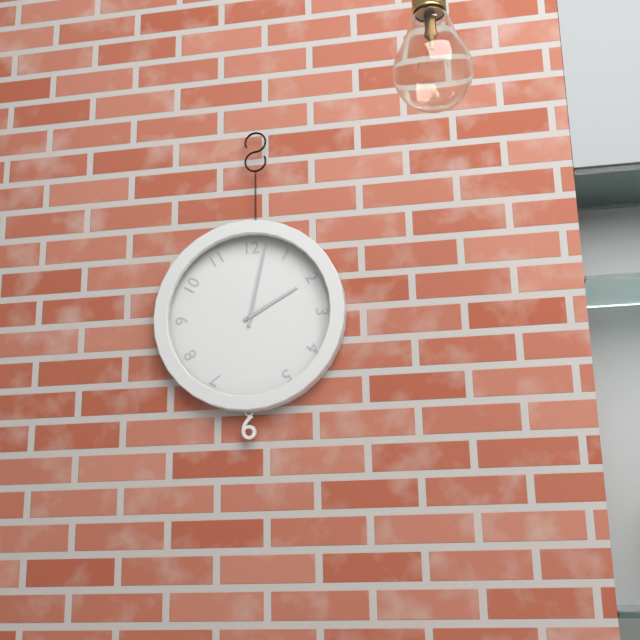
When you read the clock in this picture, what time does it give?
2:02
